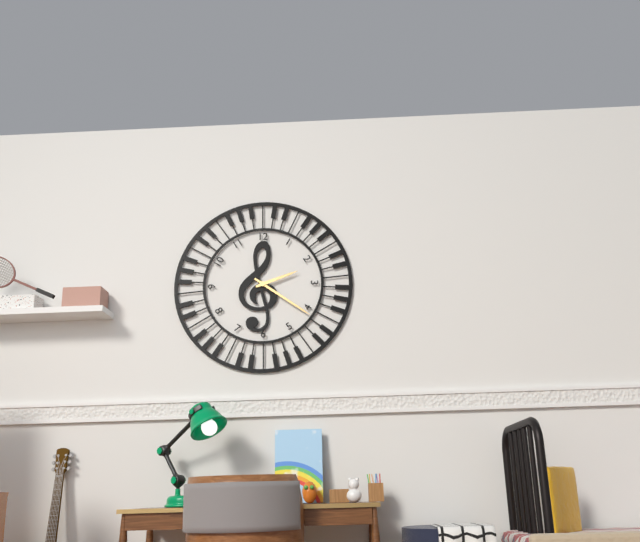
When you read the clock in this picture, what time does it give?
2:21
